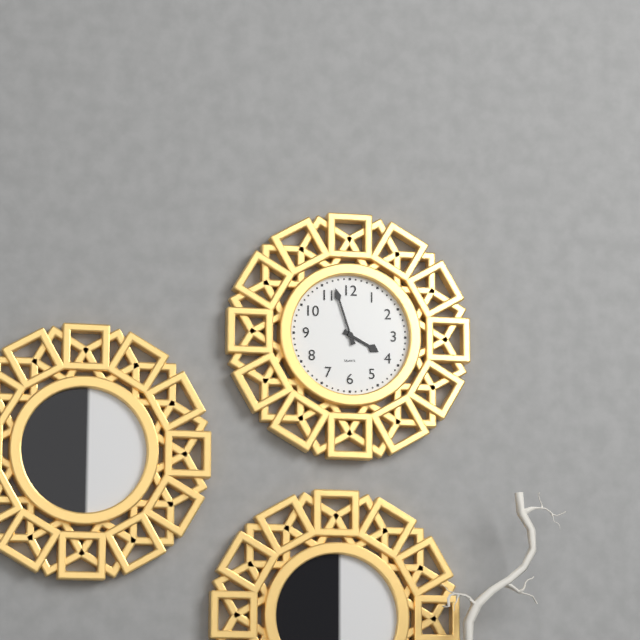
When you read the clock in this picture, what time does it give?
3:57
